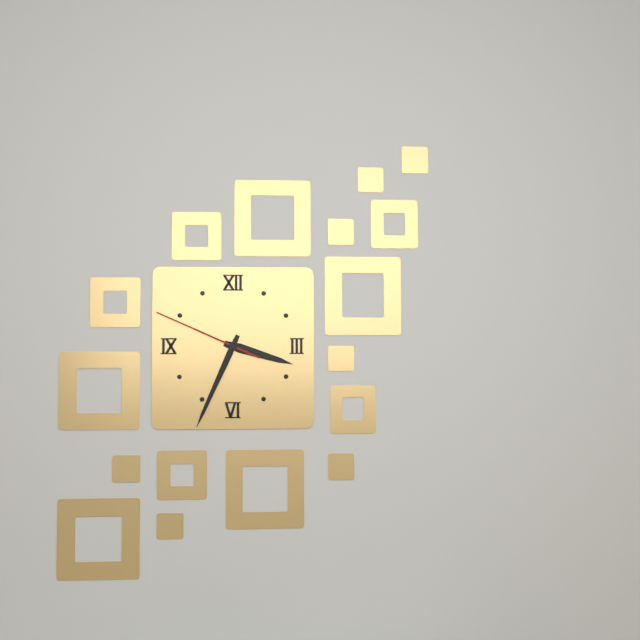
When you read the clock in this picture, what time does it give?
3:34:49
